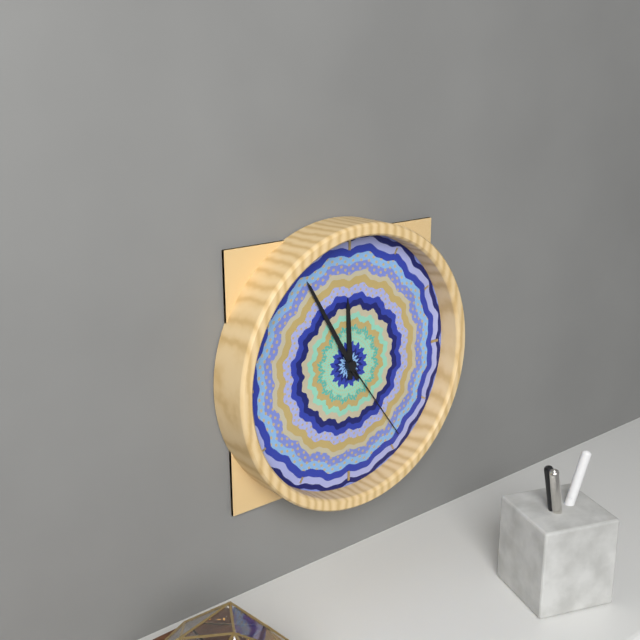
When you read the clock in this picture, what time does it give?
11:55:24
